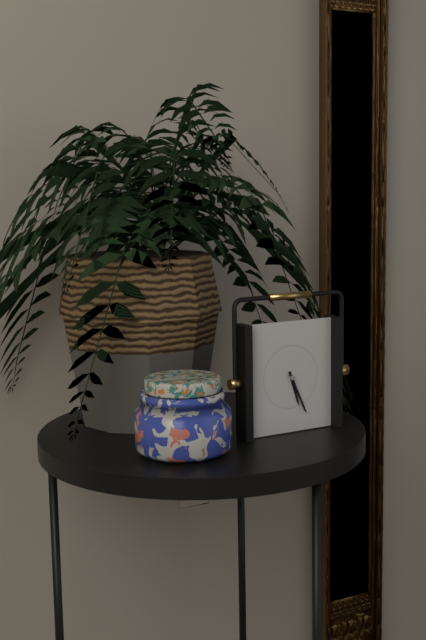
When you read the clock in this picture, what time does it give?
5:26
